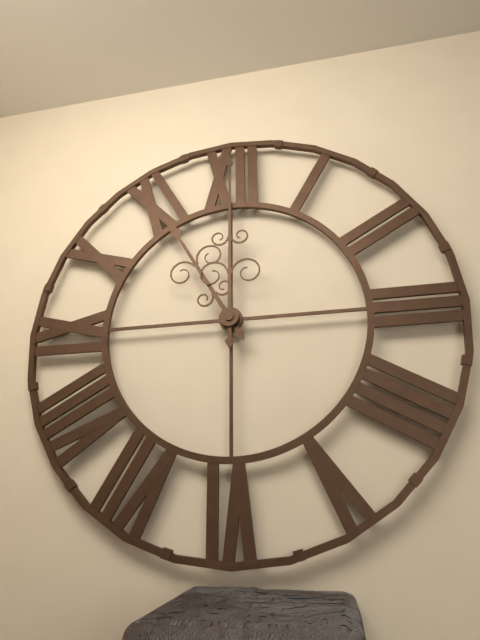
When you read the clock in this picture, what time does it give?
11:00
